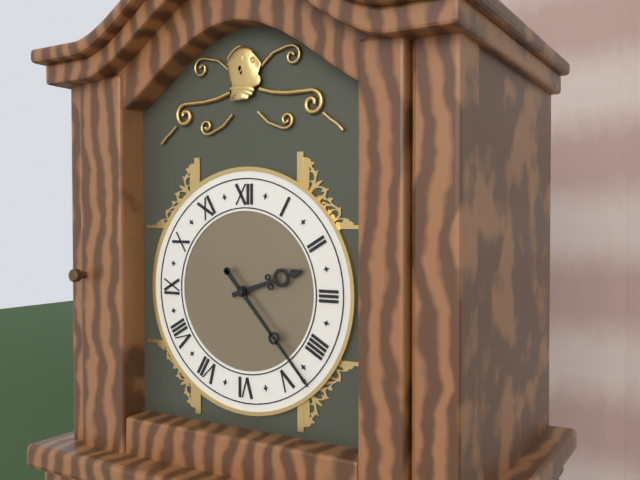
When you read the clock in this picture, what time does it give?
2:23
